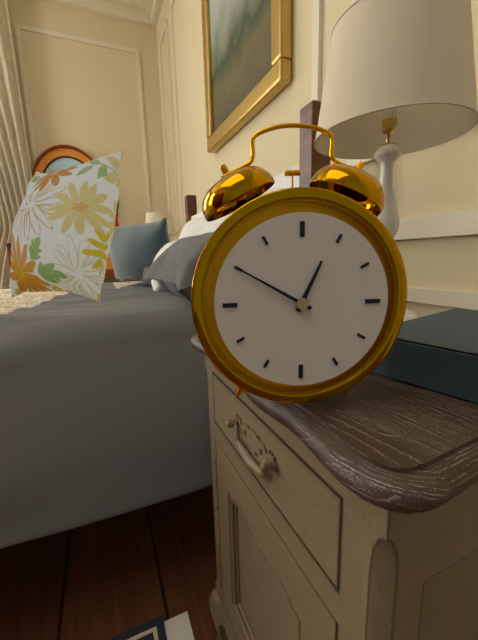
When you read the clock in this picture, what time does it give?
12:50
